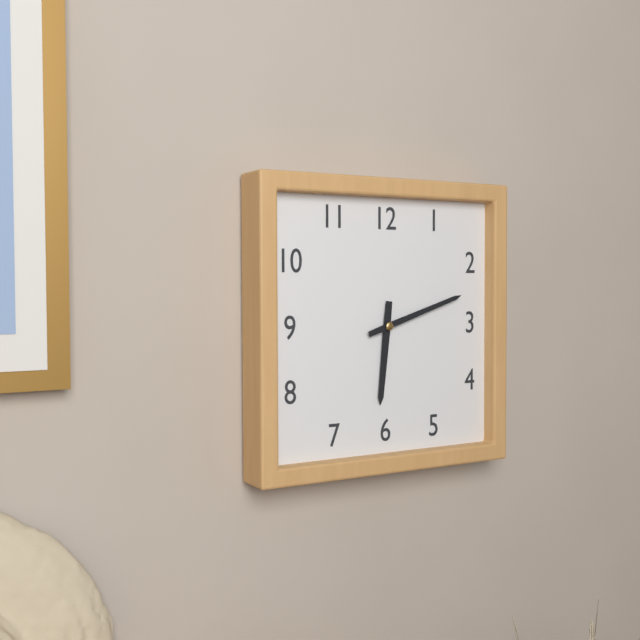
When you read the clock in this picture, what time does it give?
6:12
